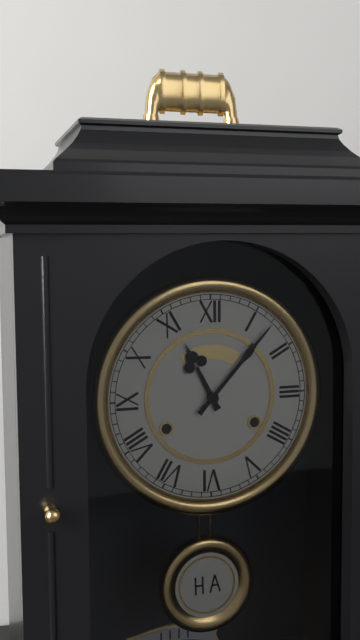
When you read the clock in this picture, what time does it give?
11:07
